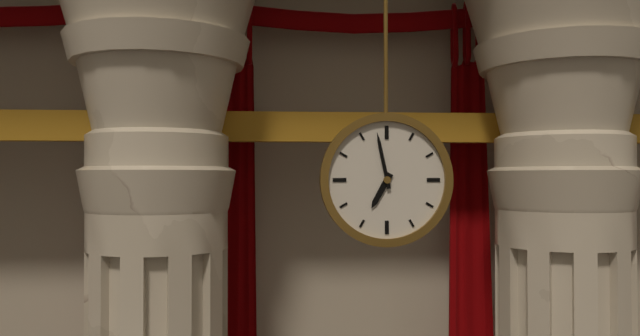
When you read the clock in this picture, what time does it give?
6:58
